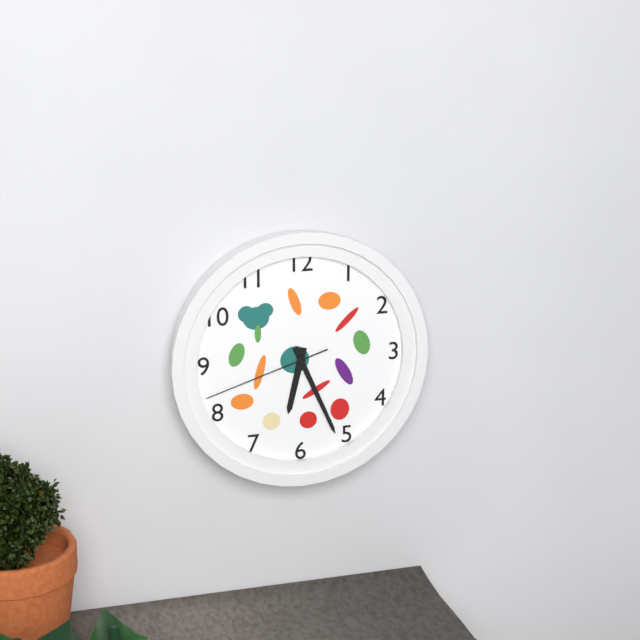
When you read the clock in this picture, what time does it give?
6:26:42
